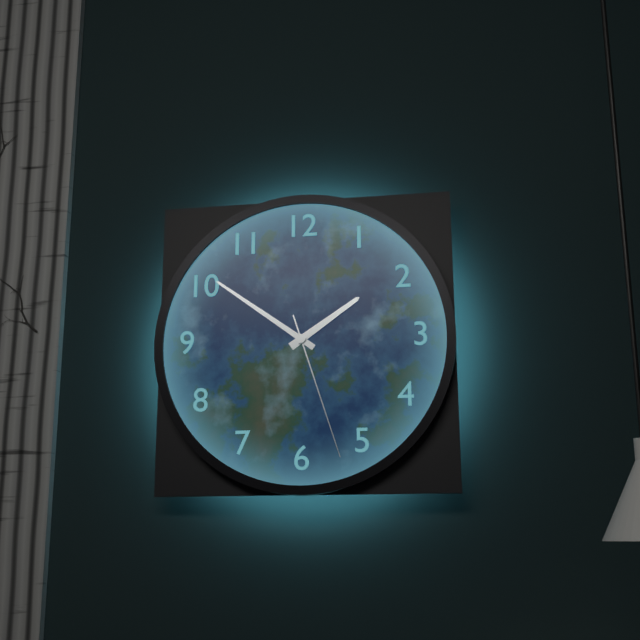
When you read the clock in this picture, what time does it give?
1:51:27
